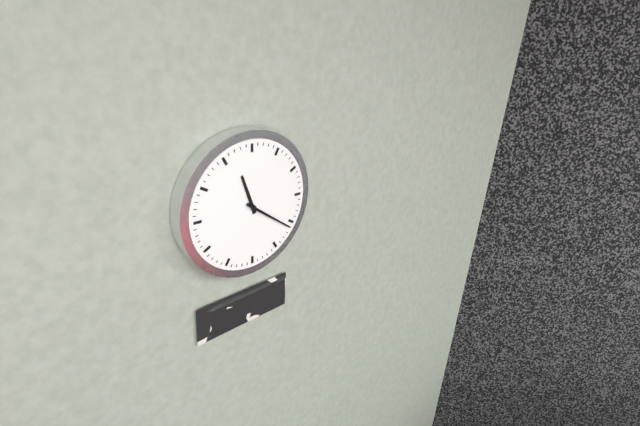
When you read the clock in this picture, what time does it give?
11:21
